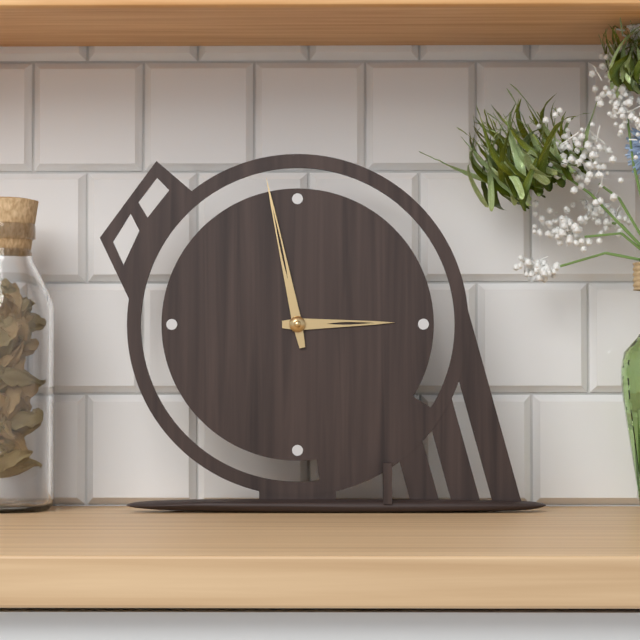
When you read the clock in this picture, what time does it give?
2:58
